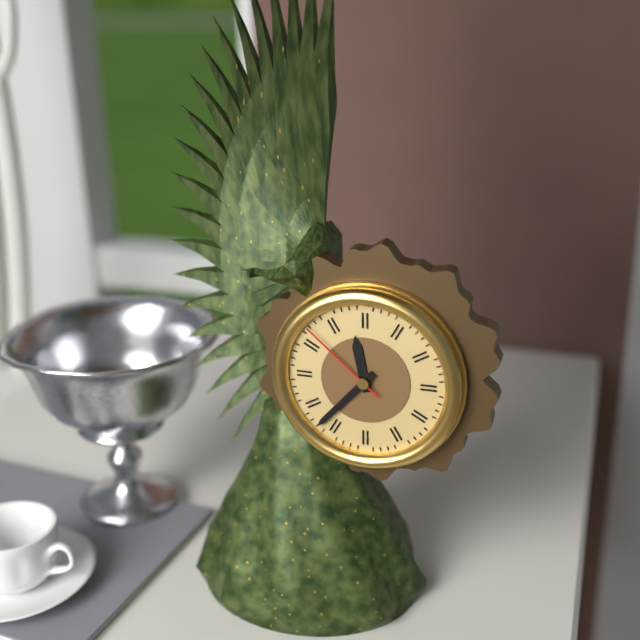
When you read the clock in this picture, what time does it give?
11:37:52
